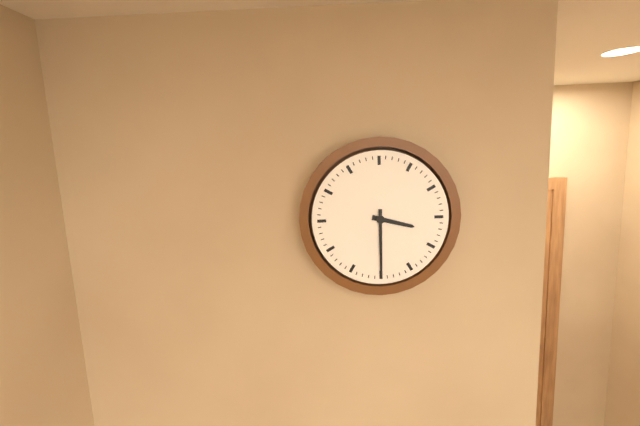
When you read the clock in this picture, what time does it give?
3:30
